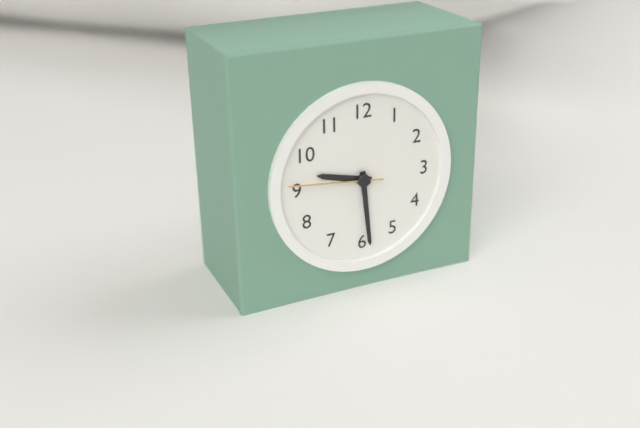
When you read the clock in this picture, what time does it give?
9:29:46
